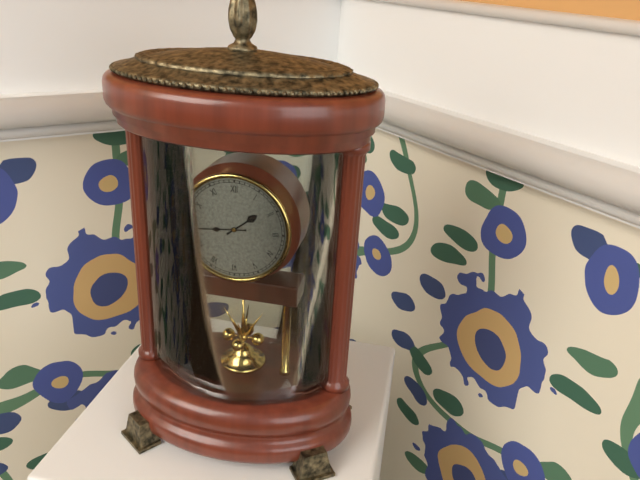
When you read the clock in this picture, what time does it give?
1:44
